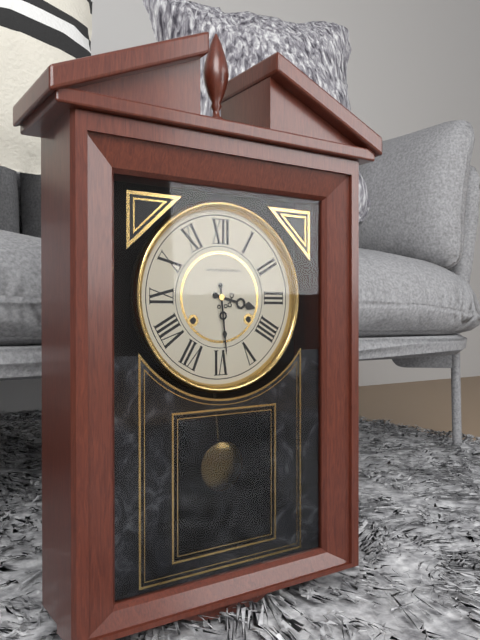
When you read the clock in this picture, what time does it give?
3:29
